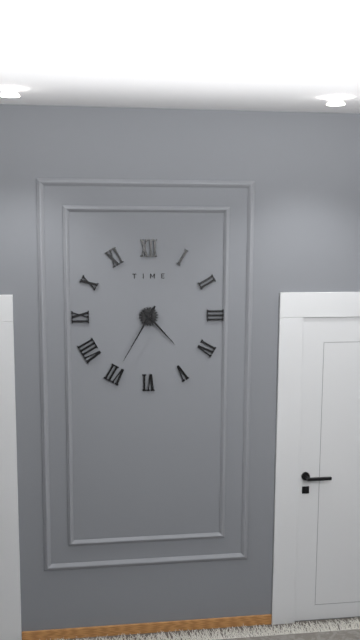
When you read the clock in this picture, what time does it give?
4:35
